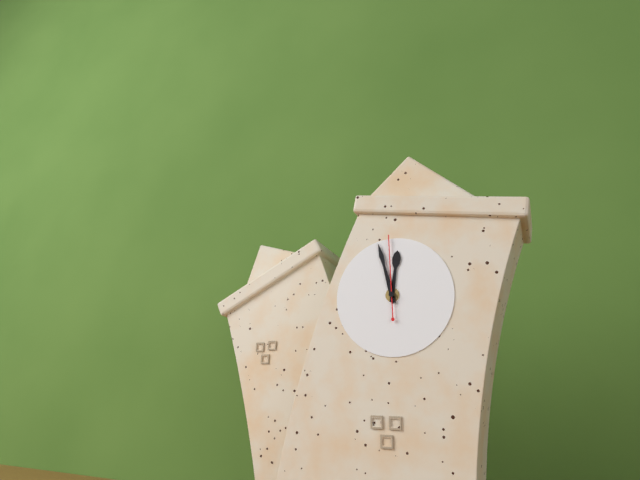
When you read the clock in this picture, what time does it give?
11:56:58
